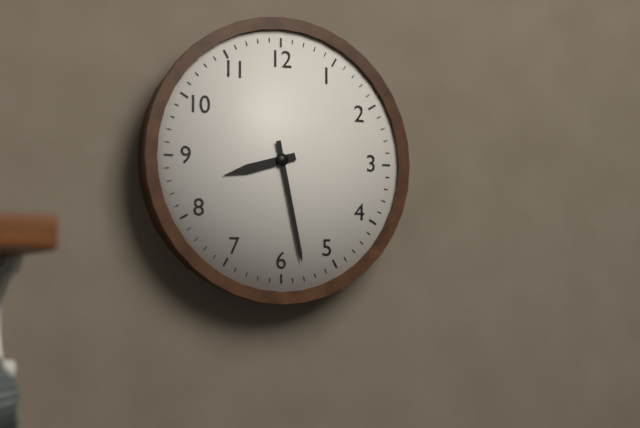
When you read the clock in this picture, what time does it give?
8:28
